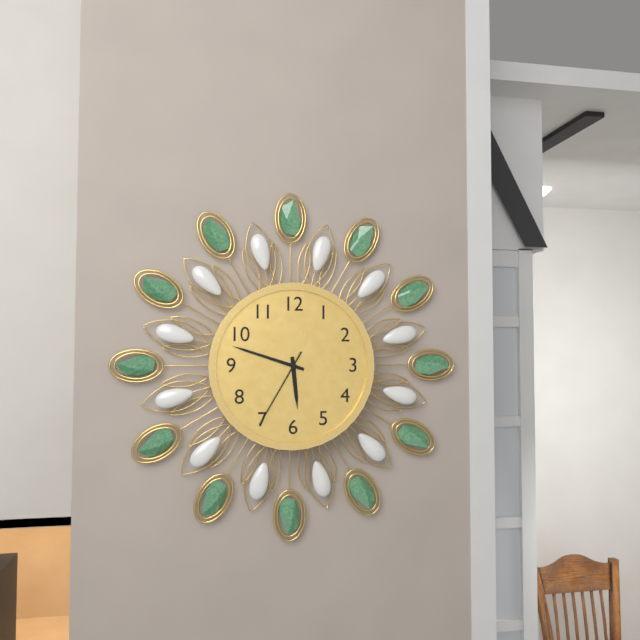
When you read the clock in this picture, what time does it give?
5:48:35
